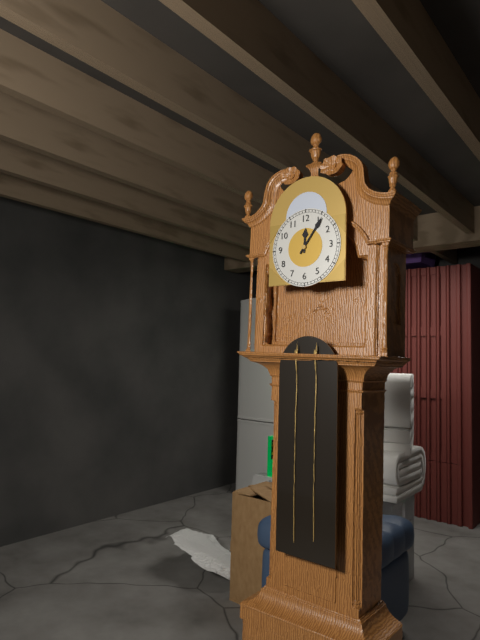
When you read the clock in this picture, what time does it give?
12:06
